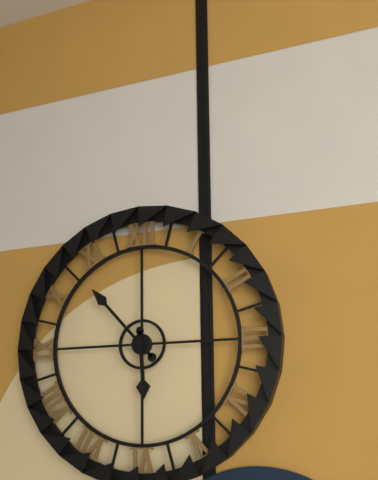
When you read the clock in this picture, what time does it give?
5:53
